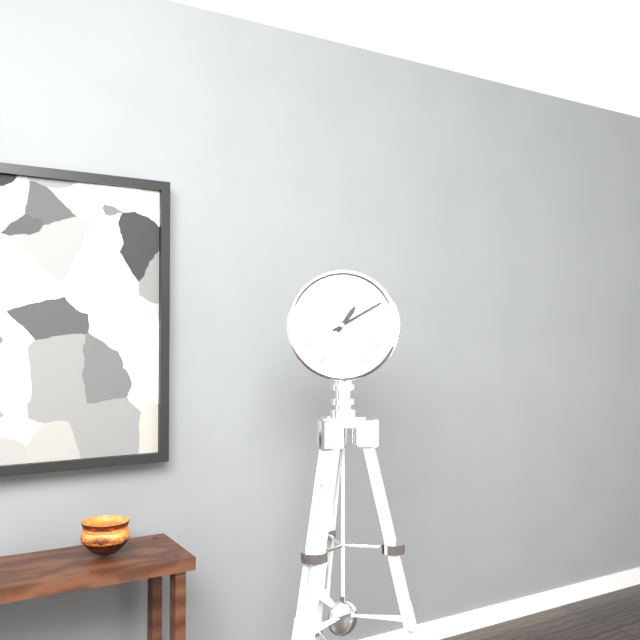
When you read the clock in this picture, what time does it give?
1:10
